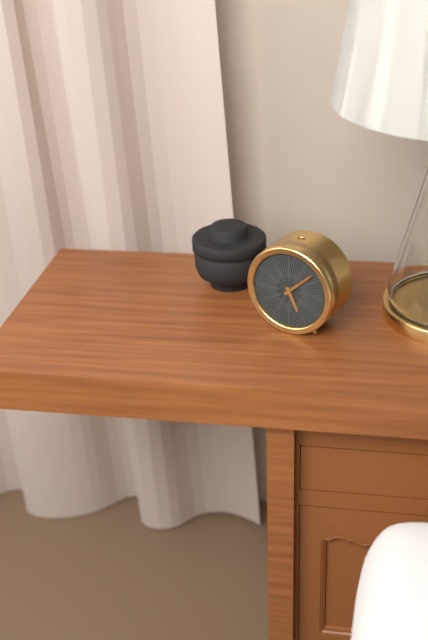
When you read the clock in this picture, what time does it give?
5:08
